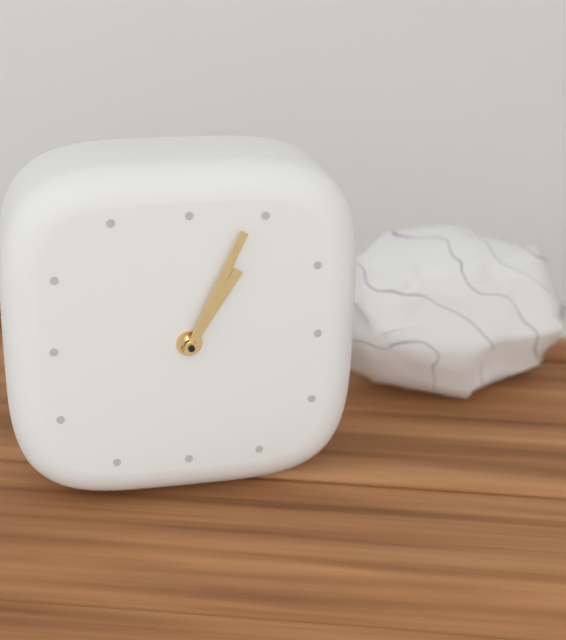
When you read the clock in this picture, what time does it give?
1:04
